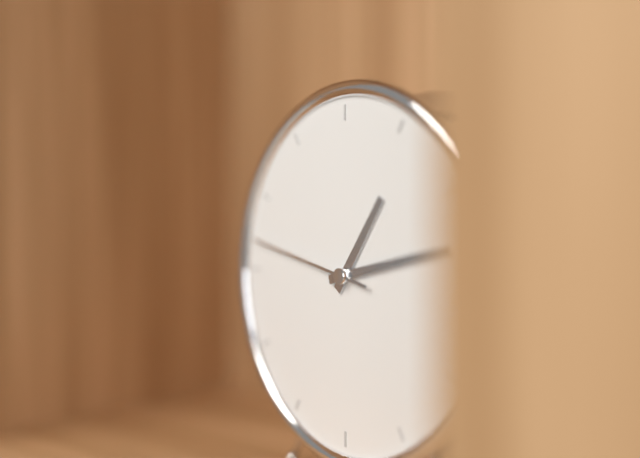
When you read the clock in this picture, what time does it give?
1:13:47
